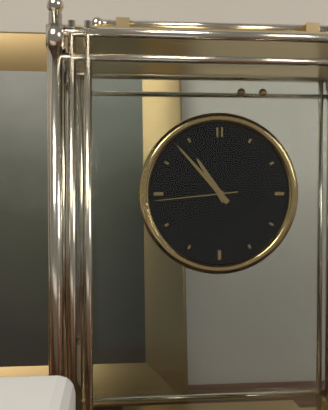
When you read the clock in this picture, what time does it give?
10:53:44
